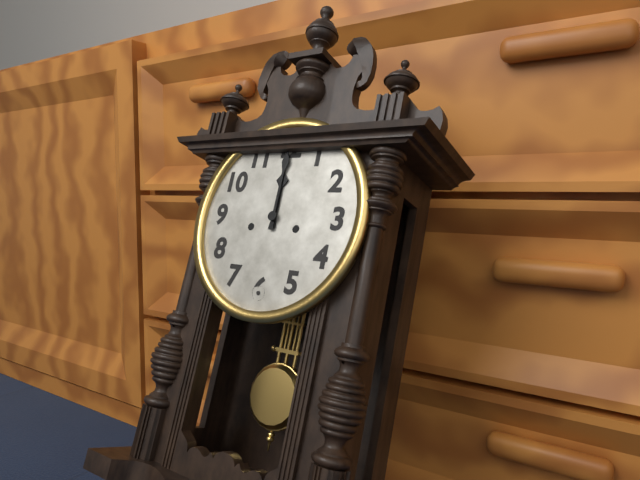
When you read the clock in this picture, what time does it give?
12:00
